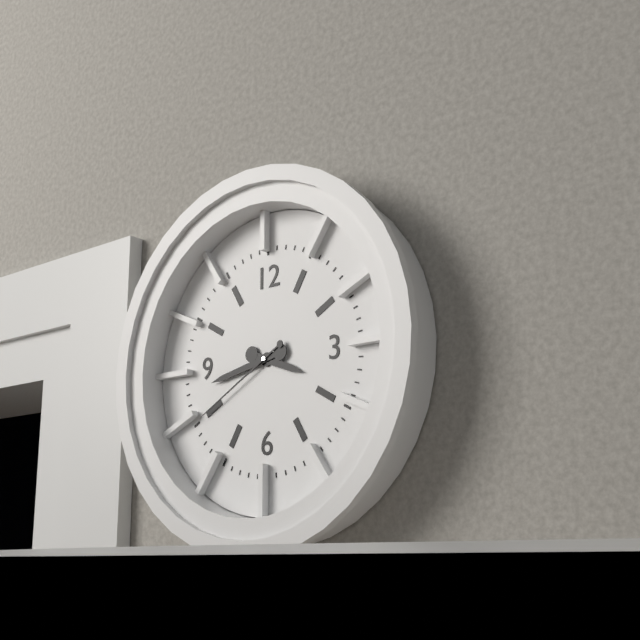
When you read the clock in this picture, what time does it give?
3:43:40
